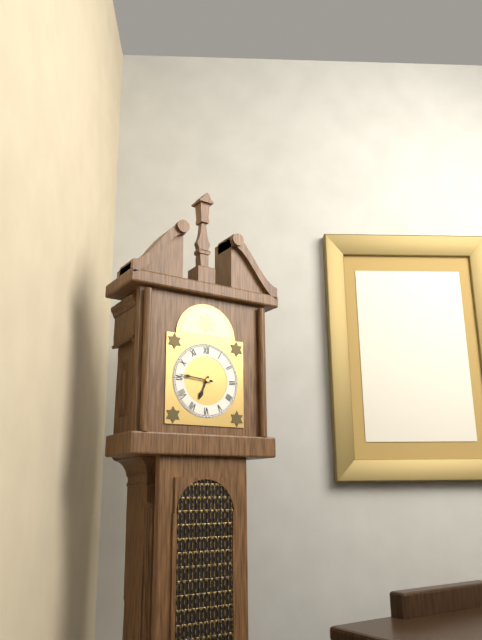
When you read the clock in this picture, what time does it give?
6:46
